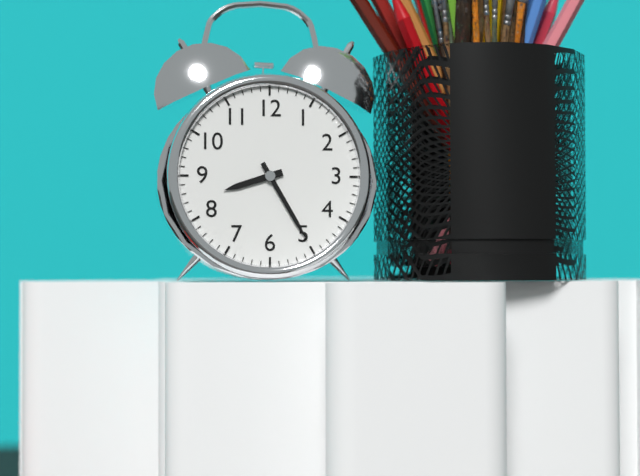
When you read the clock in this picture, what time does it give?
8:25
